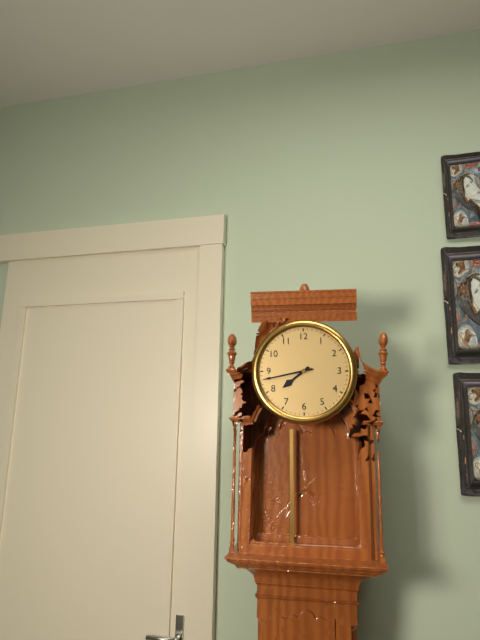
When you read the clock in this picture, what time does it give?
7:43
